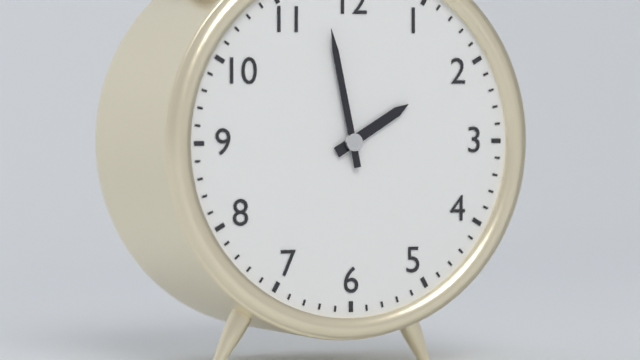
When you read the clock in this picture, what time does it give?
1:58
